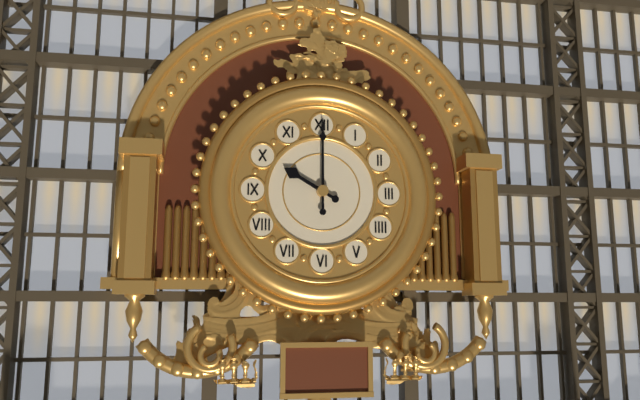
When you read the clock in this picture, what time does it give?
10:00
